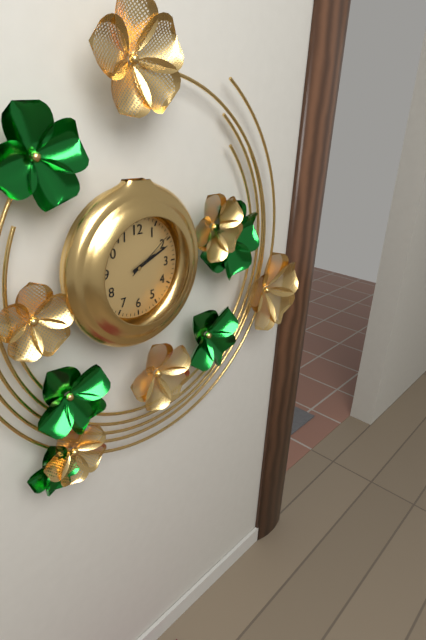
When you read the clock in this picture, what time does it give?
2:11:09
